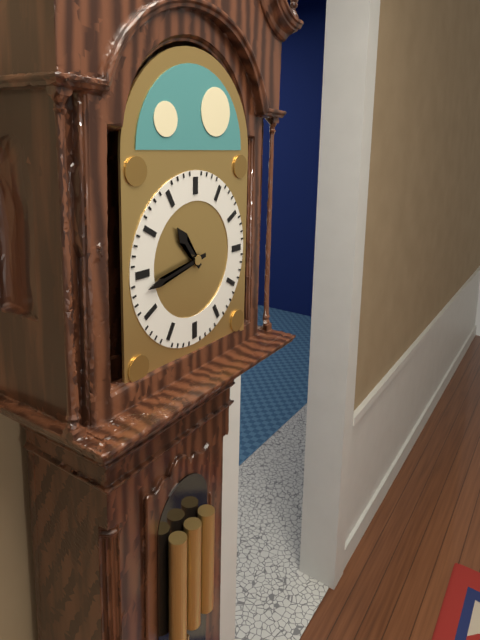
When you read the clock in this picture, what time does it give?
10:43
